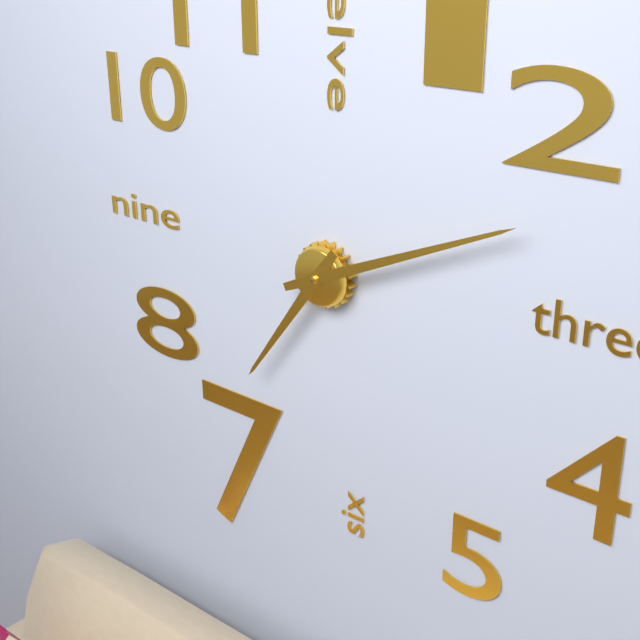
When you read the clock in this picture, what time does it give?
7:11
